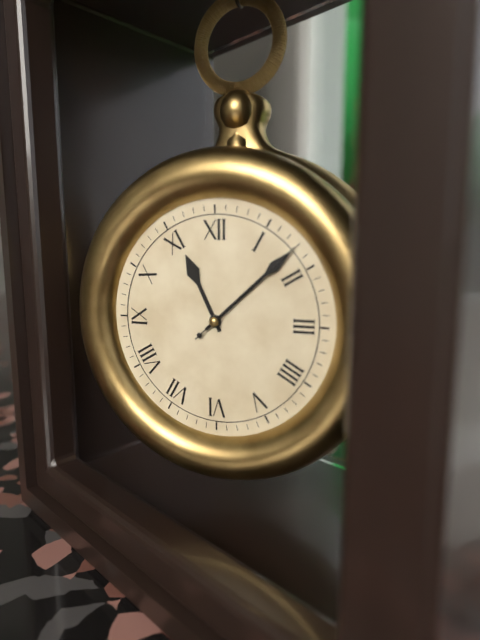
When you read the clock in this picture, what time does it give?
11:08:08
